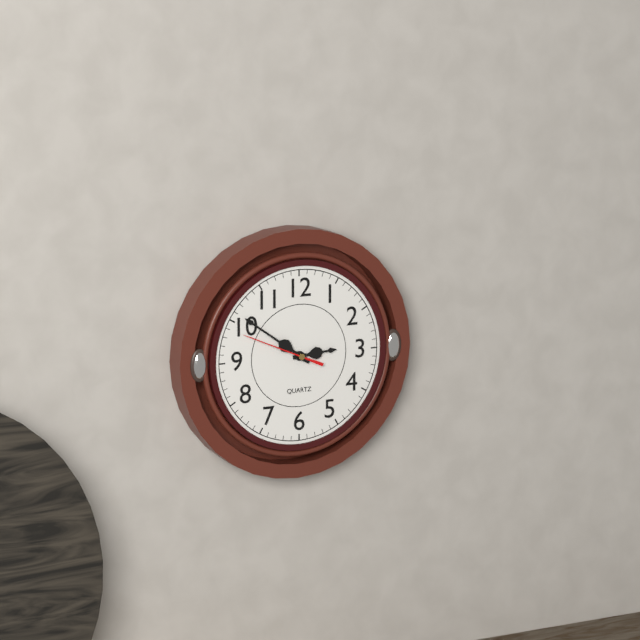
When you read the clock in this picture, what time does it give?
2:51:49
